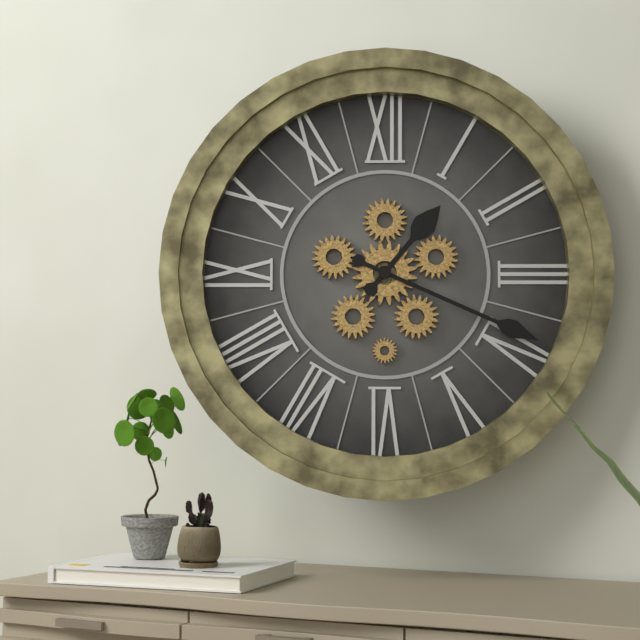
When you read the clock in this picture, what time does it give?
1:19
